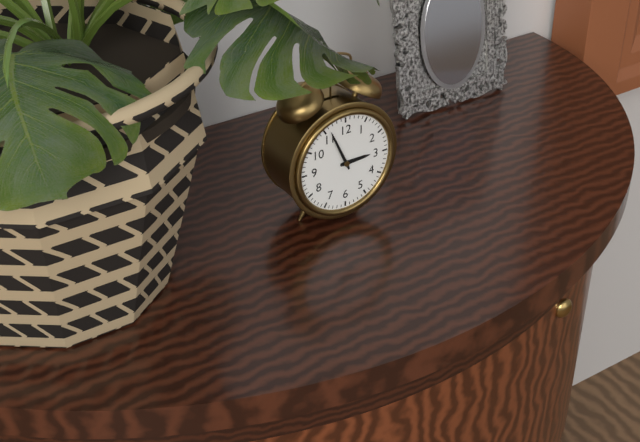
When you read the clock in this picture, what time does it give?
2:56
